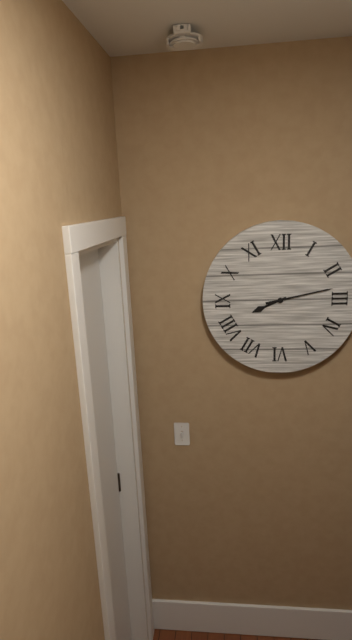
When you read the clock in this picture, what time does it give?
8:13
